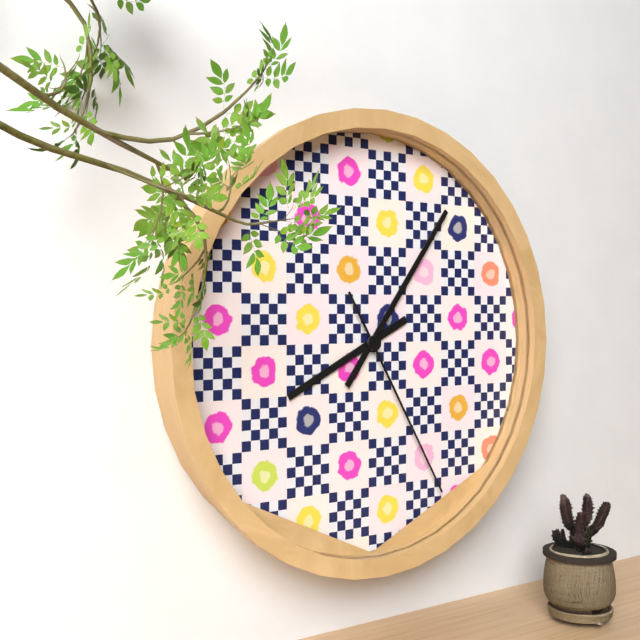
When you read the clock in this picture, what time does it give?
8:06:25
